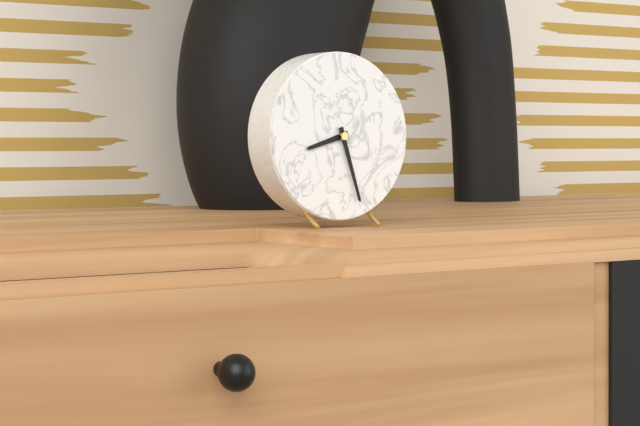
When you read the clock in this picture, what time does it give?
8:27
